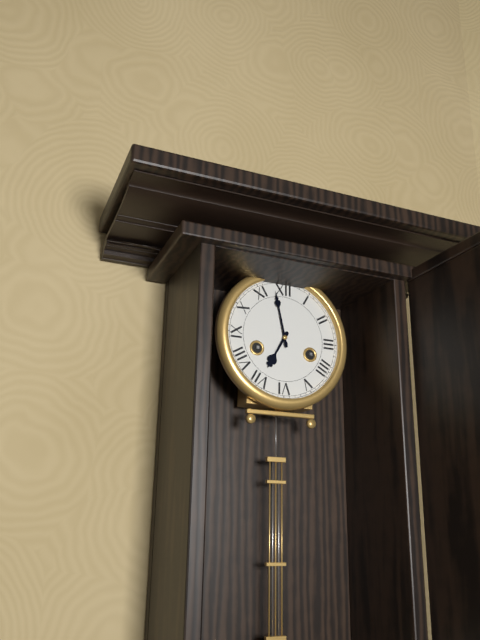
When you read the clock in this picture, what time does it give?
6:58
